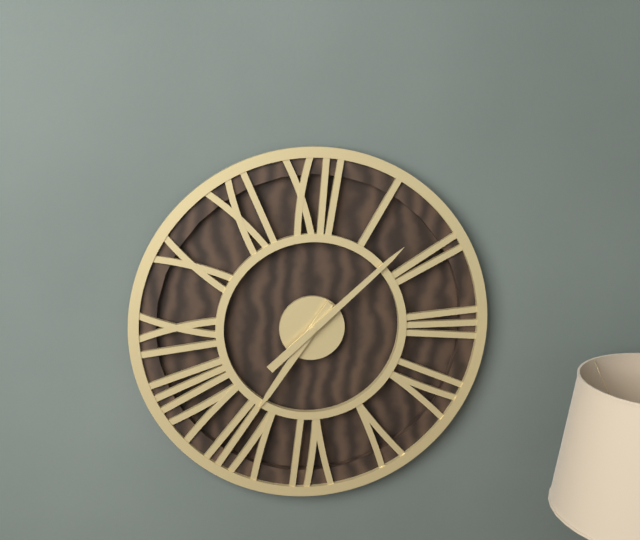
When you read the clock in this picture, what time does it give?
7:08
